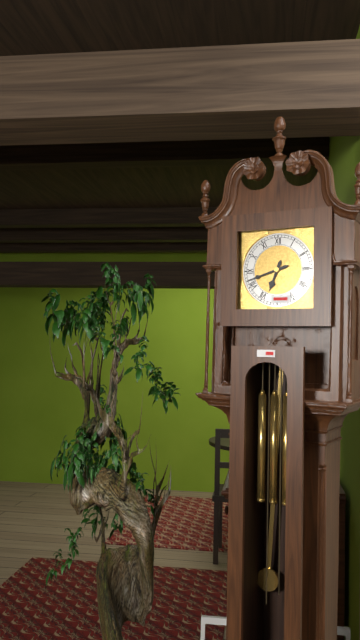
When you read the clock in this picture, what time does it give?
6:42
